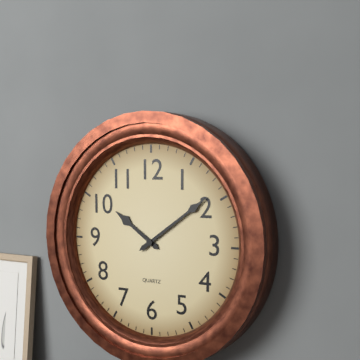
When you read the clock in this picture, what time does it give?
10:09
